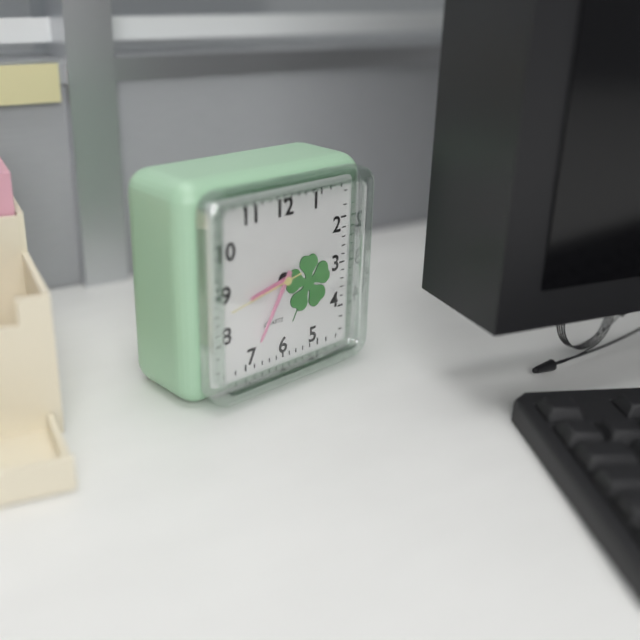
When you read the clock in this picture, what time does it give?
8:35:43
